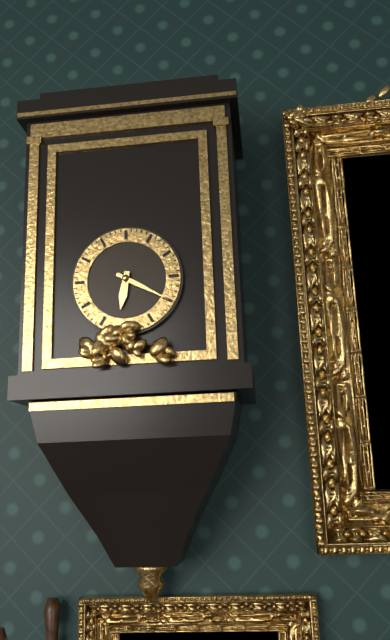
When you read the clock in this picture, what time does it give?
6:20
